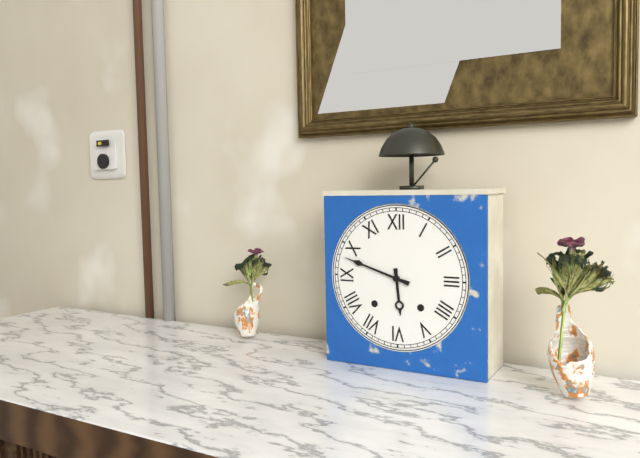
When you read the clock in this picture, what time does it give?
5:48
